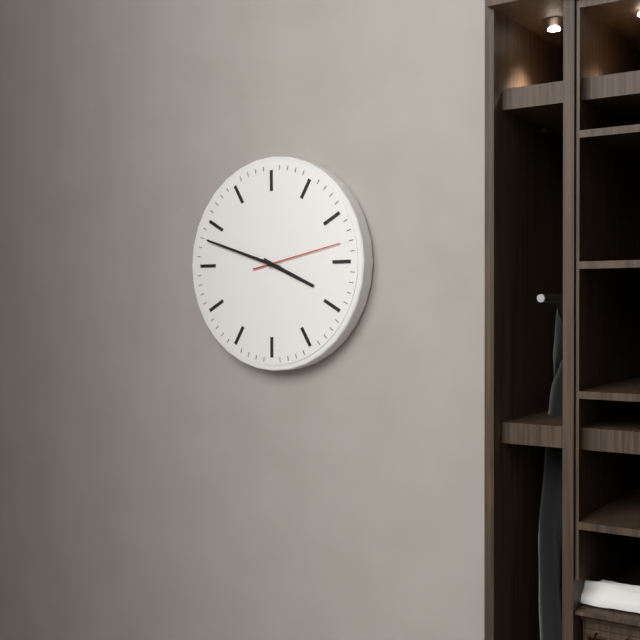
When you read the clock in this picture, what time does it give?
3:48:13
